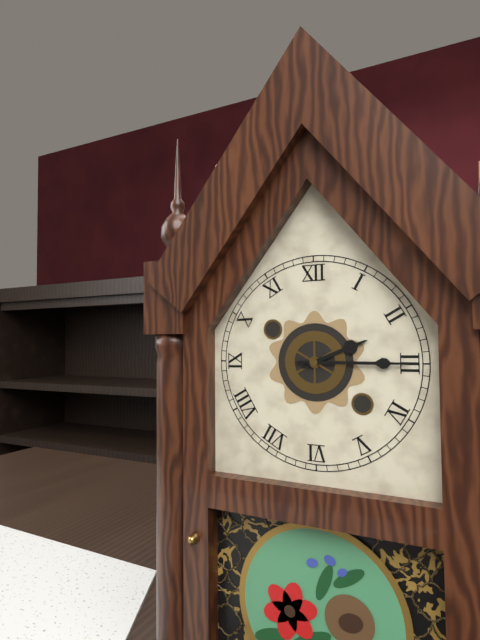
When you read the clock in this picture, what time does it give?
2:15
